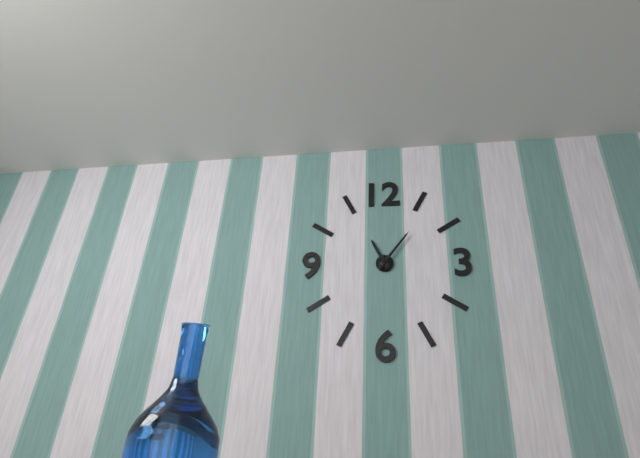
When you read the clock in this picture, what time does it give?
11:06
